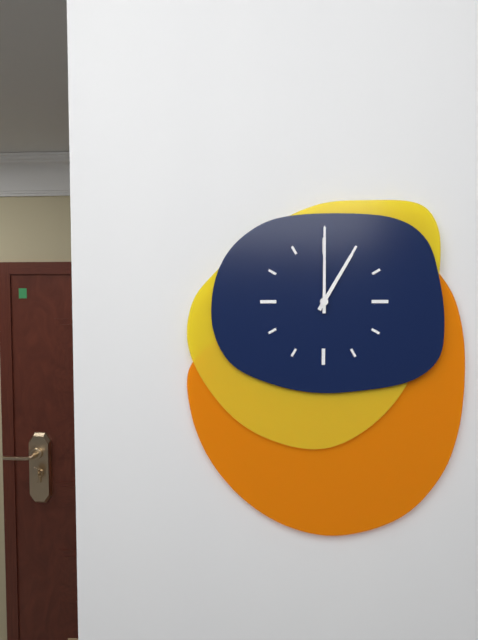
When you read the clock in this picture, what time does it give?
1:00
